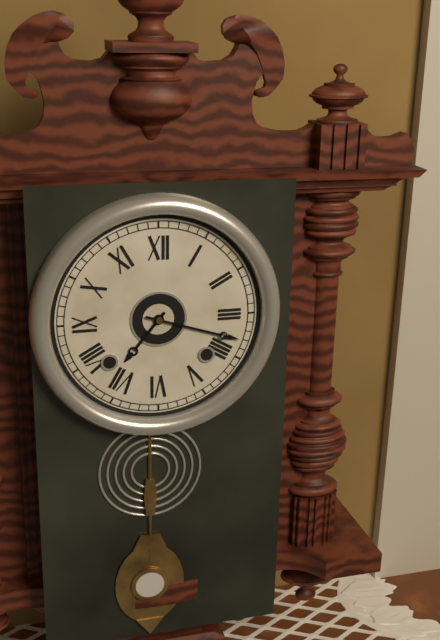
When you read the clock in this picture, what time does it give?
7:18
